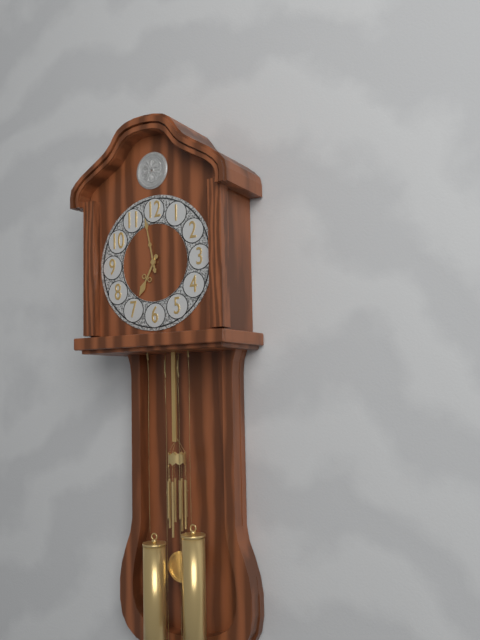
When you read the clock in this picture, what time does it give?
6:58
